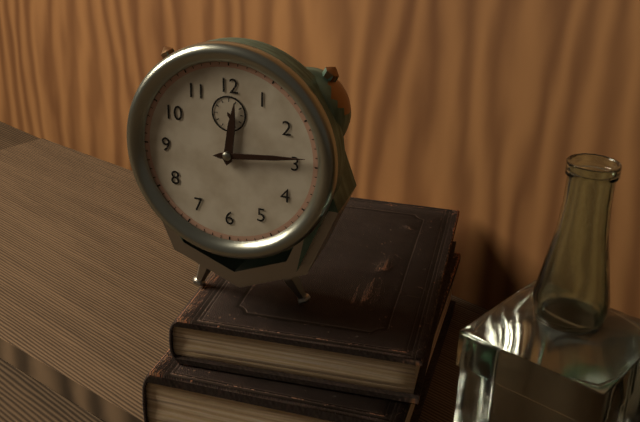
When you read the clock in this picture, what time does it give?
12:14
